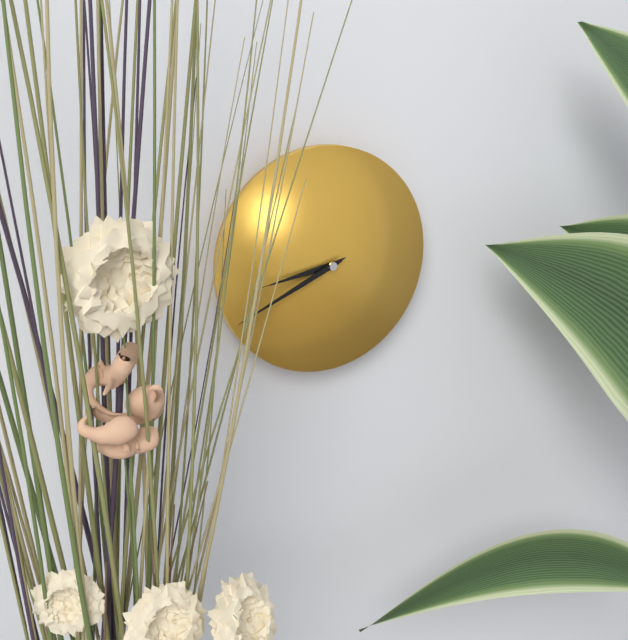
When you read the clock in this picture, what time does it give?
8:41
